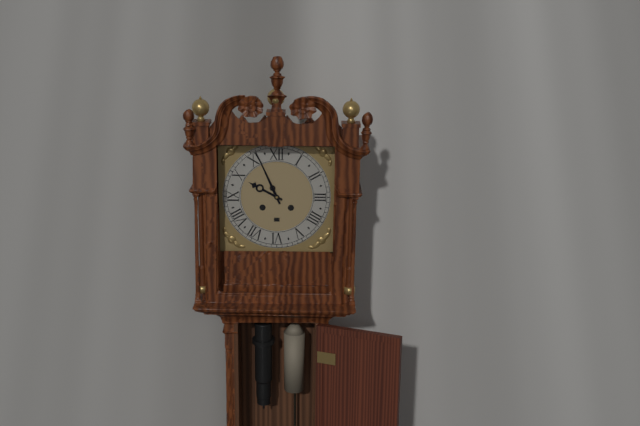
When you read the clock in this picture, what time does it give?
9:56
